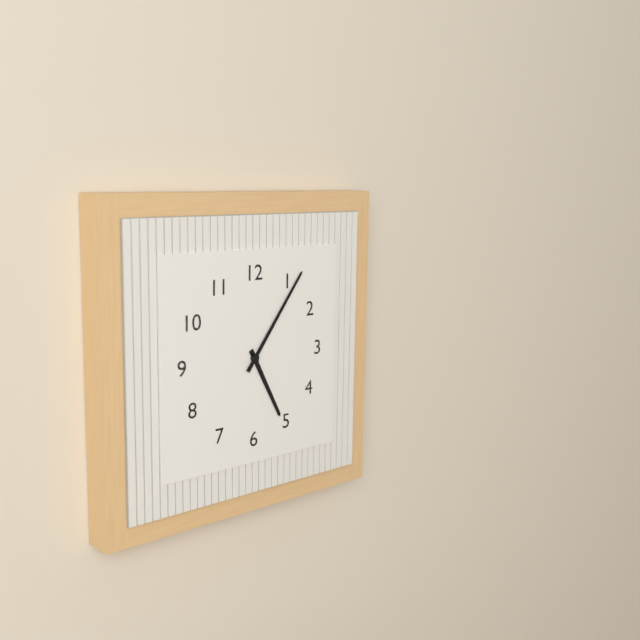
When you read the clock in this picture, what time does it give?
5:06
